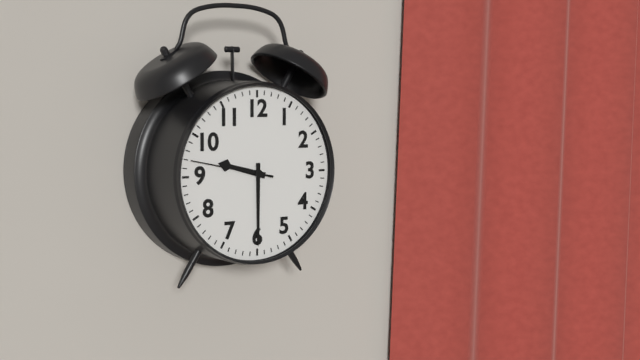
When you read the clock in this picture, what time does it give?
9:30:47
